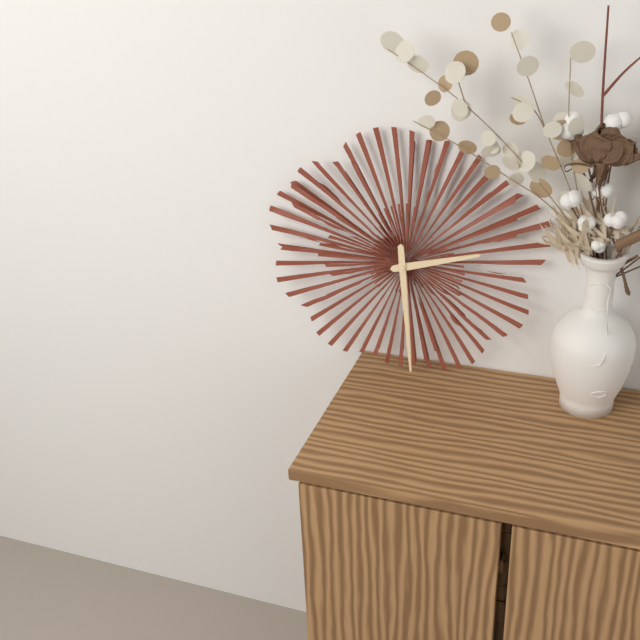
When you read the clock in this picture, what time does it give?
2:29
